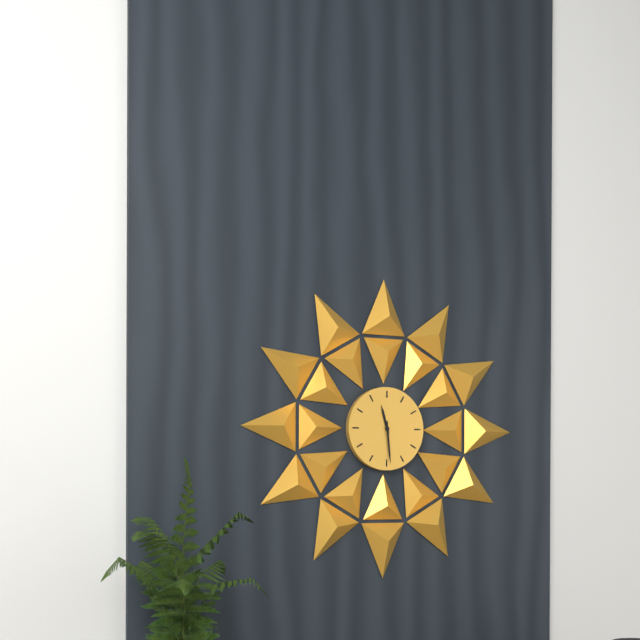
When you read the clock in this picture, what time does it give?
11:29
